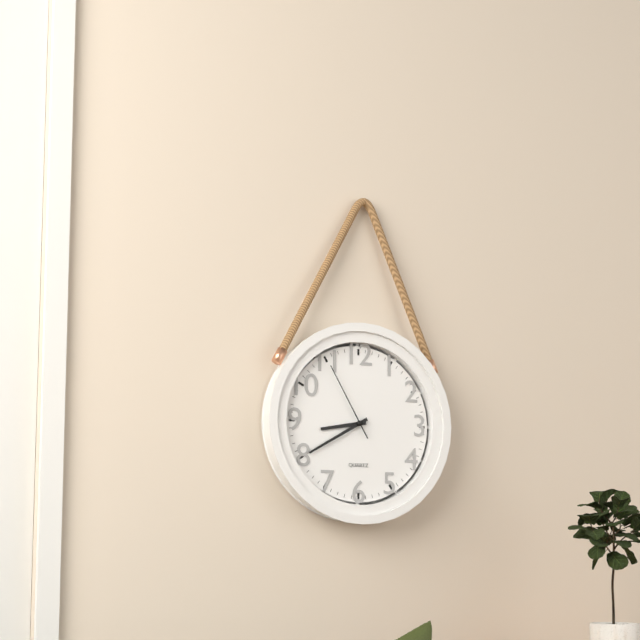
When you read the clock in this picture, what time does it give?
8:40:55
